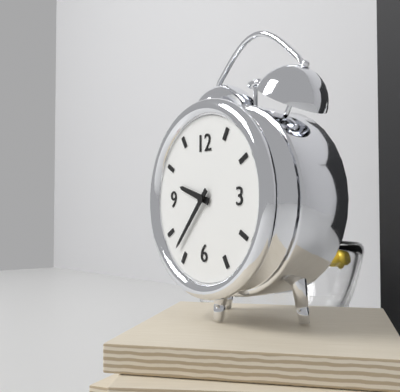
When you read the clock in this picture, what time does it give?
9:37
